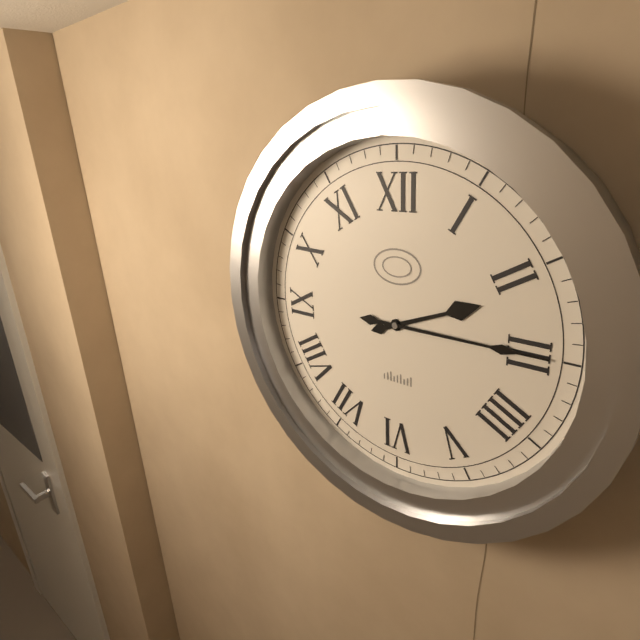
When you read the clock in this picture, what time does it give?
2:15
